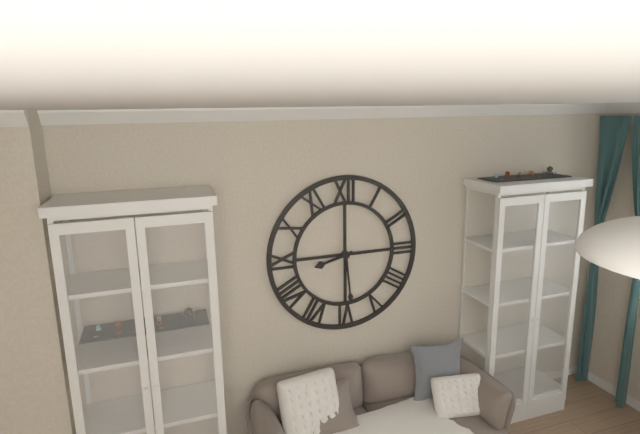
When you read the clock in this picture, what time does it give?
8:29
